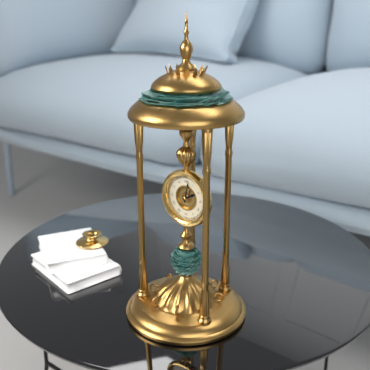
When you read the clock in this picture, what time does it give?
2:02
